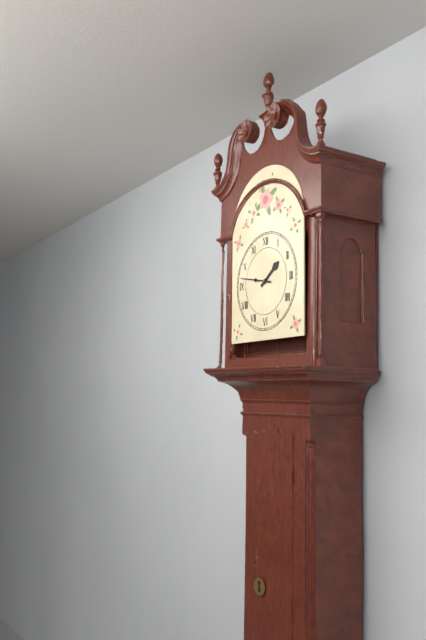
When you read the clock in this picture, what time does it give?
1:47
